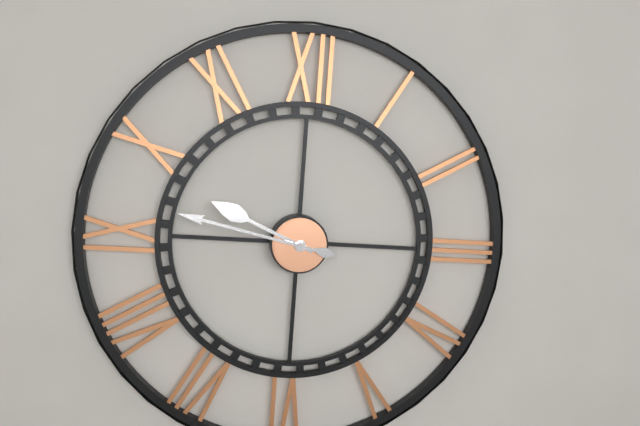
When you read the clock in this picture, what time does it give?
9:47
